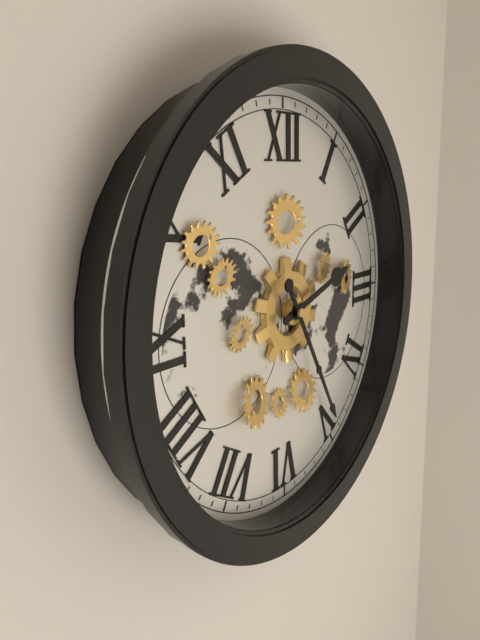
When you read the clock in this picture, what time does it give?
2:25
